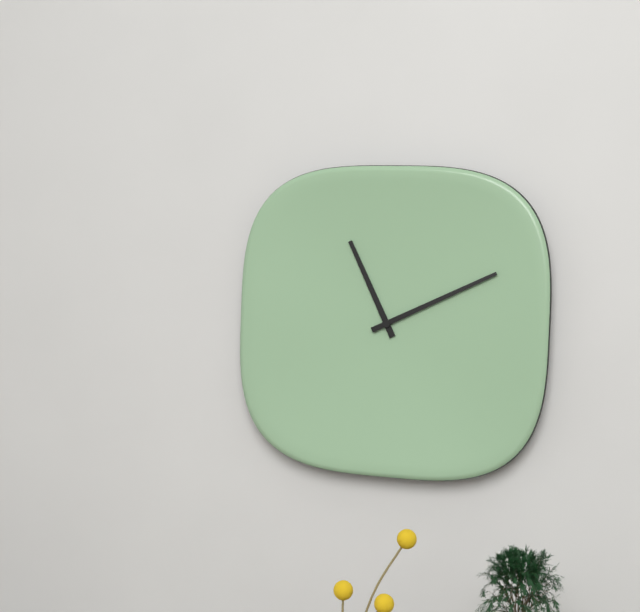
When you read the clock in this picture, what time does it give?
11:11
